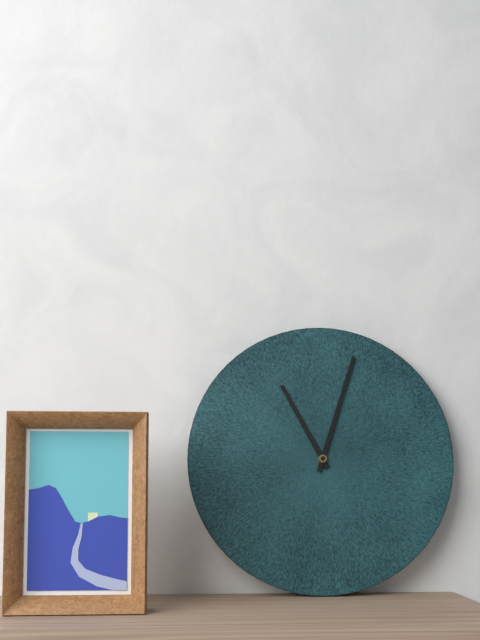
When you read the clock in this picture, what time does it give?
11:03
